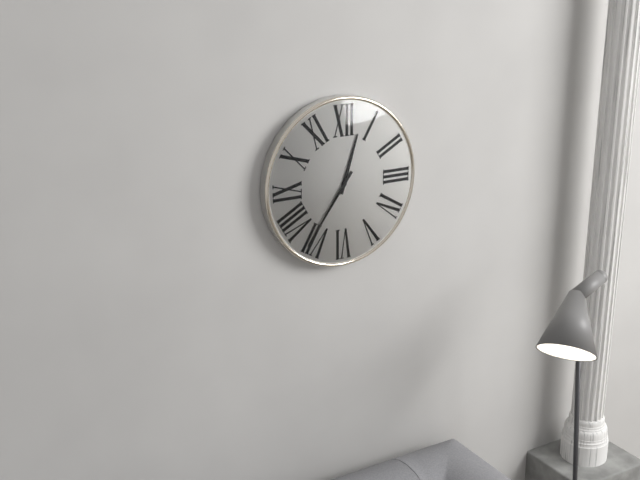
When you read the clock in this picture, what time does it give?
12:36
